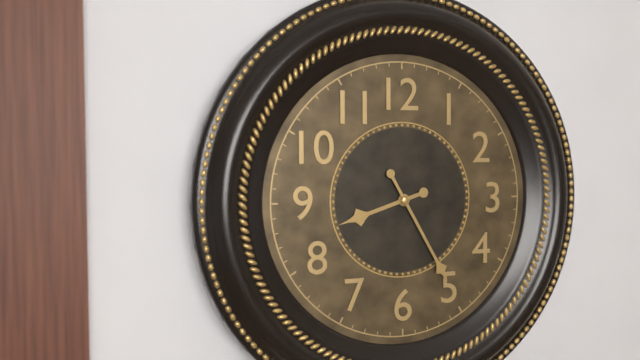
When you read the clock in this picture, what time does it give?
8:25
